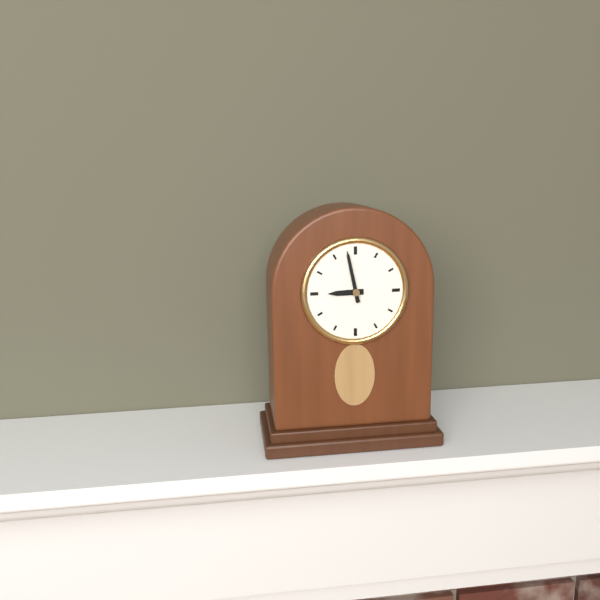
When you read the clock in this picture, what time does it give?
8:58
